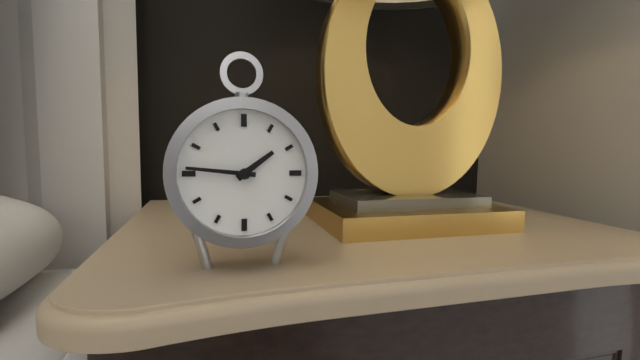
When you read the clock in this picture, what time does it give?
1:46
